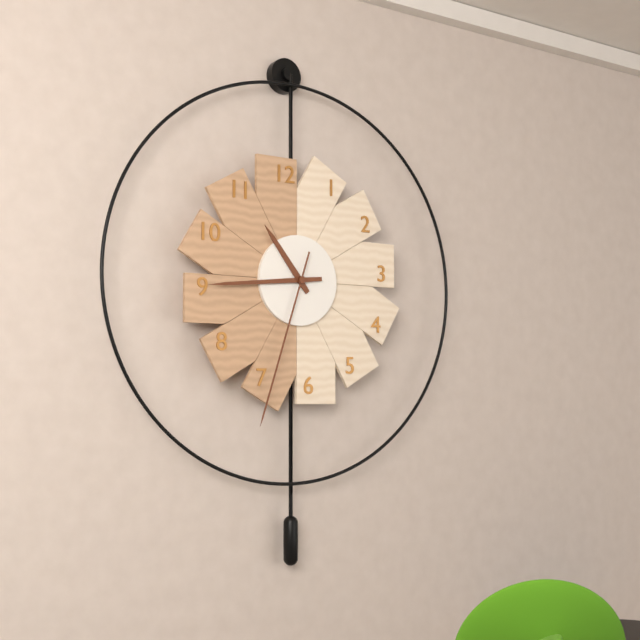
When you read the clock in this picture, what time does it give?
10:44:33
